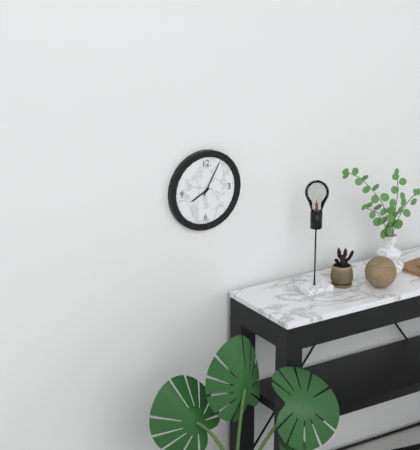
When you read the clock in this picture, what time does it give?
8:05
